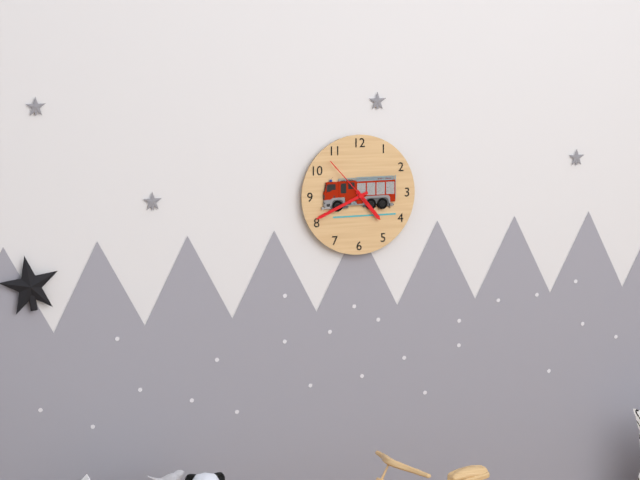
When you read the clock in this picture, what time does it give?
4:41:53
